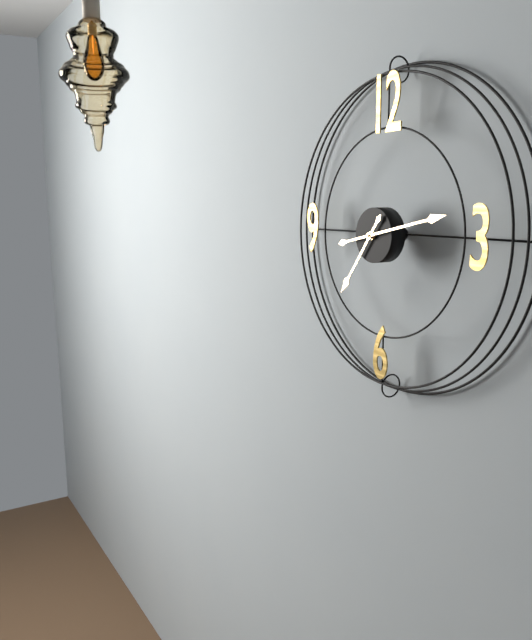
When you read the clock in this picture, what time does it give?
7:13
